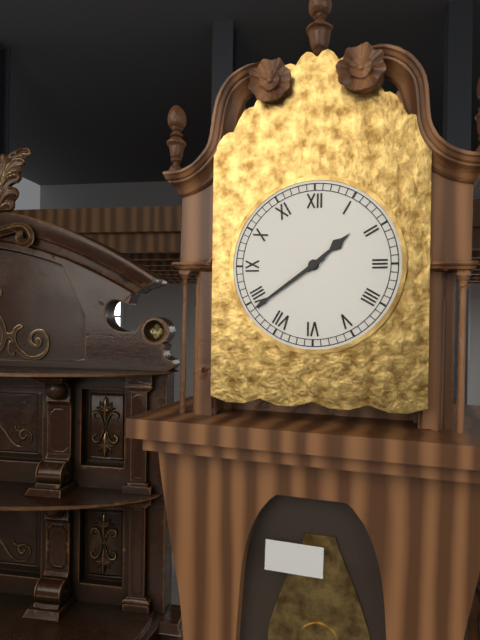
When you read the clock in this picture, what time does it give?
1:39
